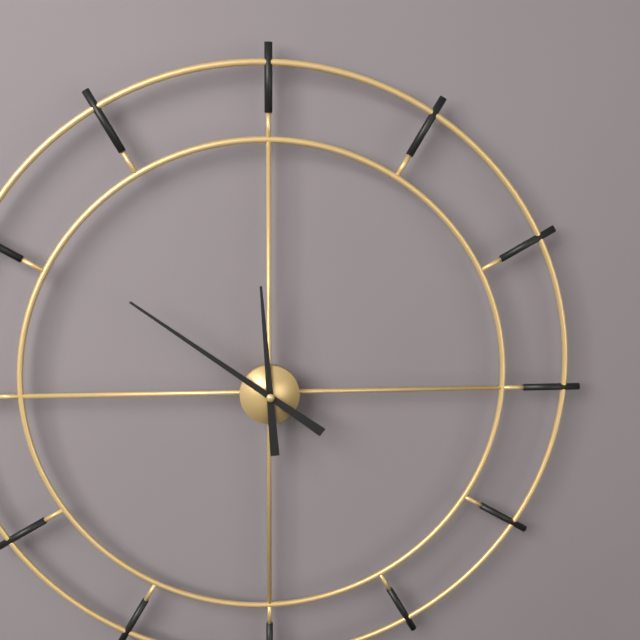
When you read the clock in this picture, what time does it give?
11:51
